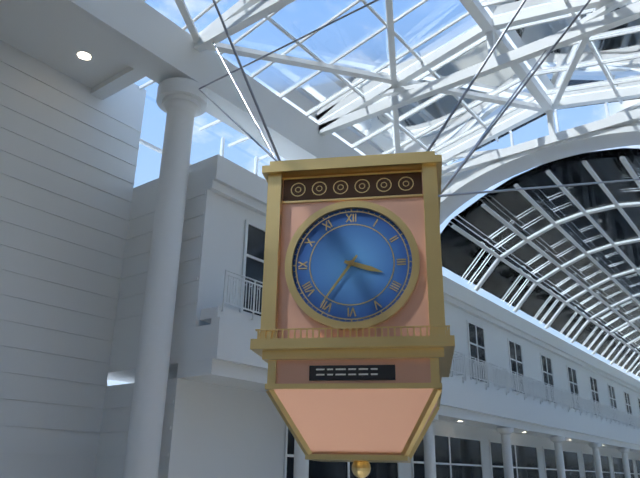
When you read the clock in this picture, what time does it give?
3:36
